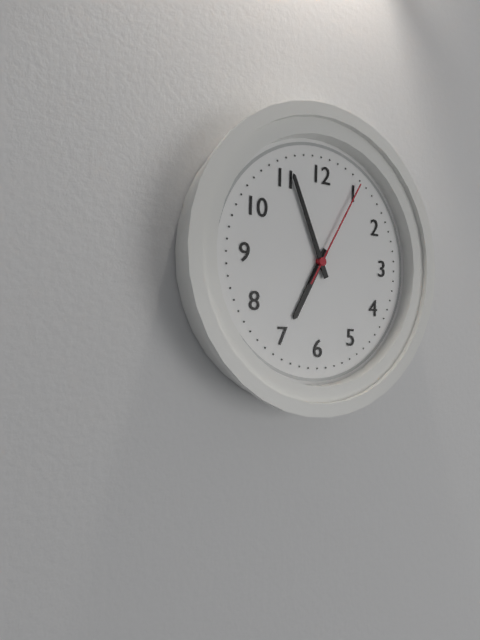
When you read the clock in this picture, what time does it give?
6:56:05
